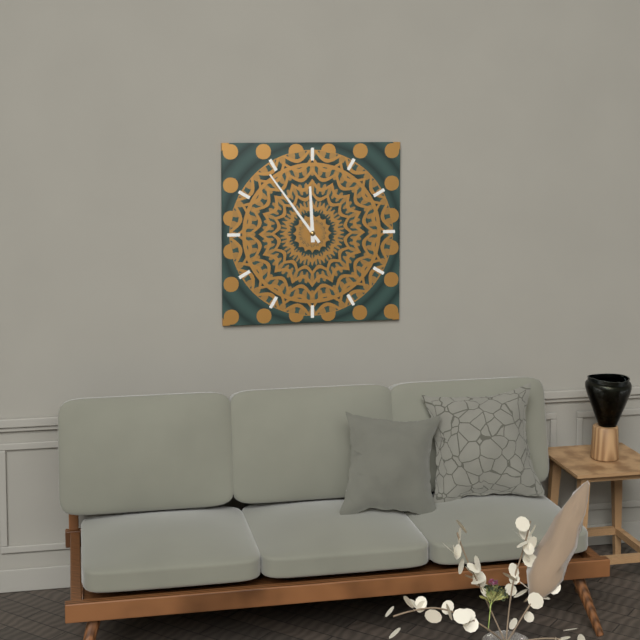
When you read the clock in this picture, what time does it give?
11:54
